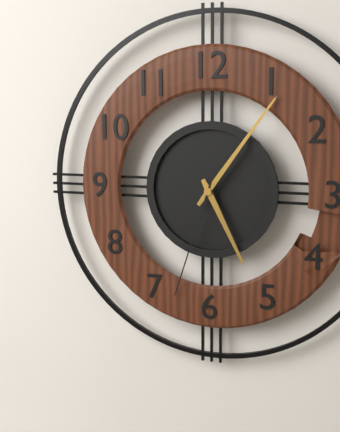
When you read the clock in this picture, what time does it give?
5:06:33
